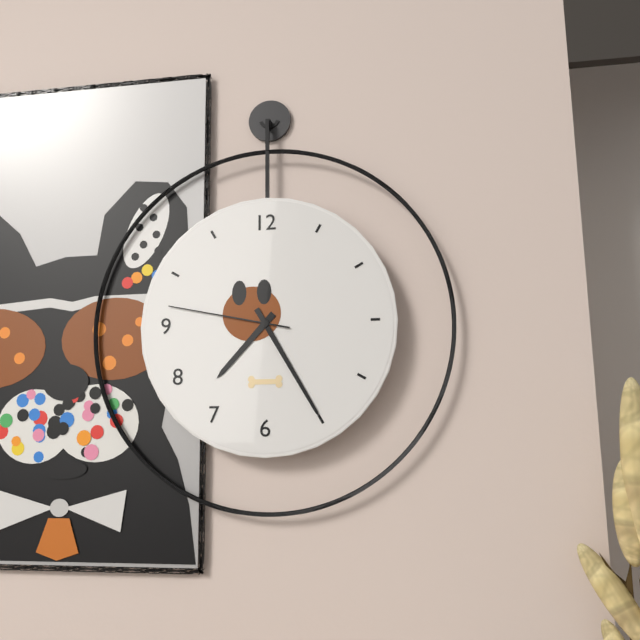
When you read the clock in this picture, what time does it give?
7:25:47
